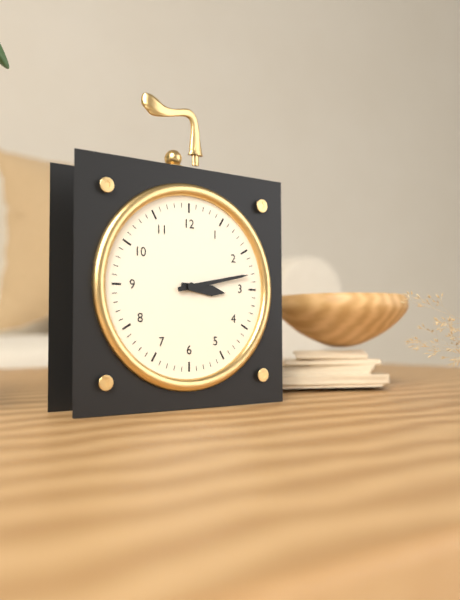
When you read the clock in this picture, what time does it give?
3:13
